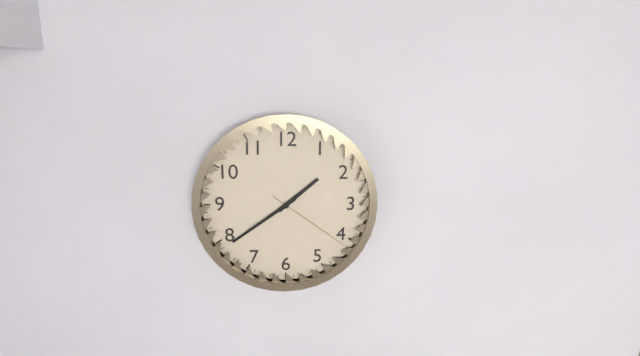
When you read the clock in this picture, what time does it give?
1:39:21
